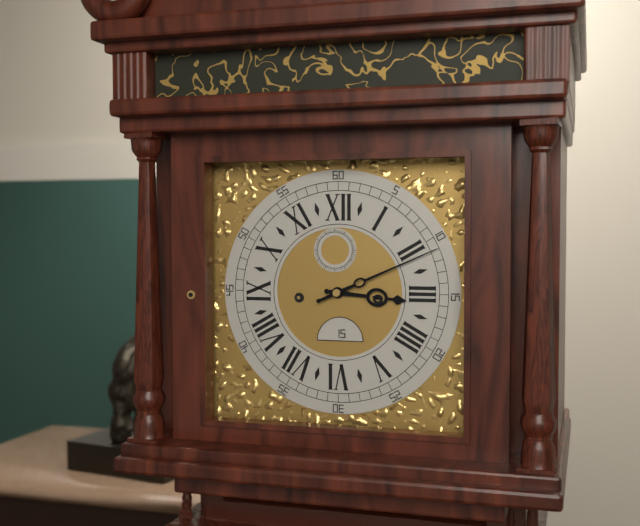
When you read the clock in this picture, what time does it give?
3:11
